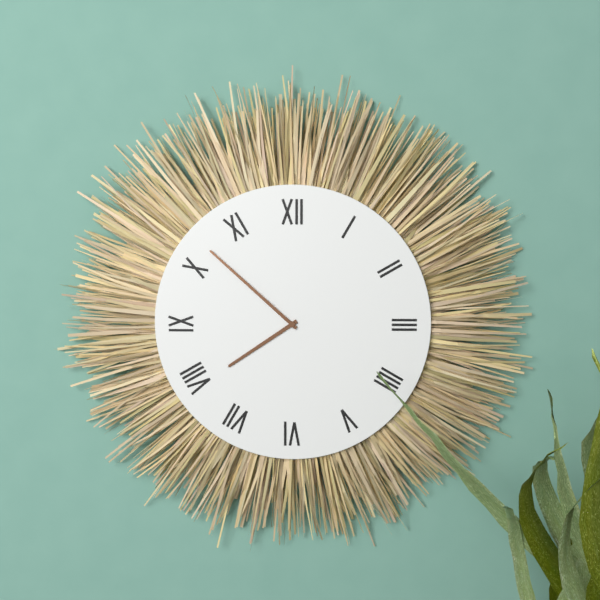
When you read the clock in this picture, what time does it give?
7:52
